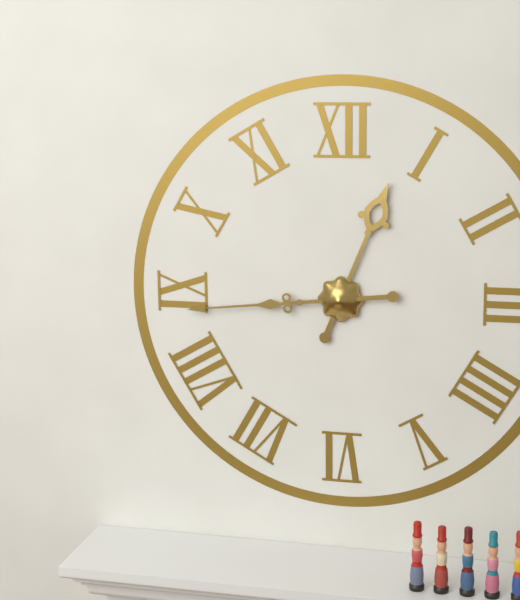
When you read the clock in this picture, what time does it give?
12:44
